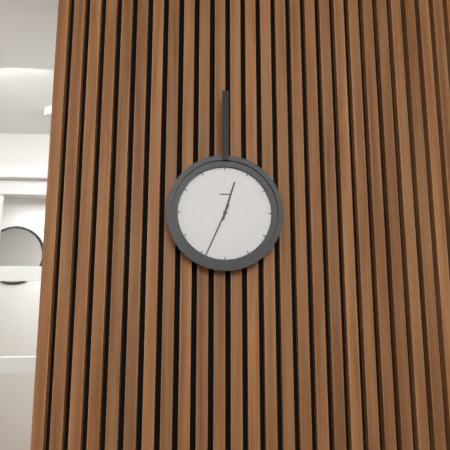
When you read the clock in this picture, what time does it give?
12:34
